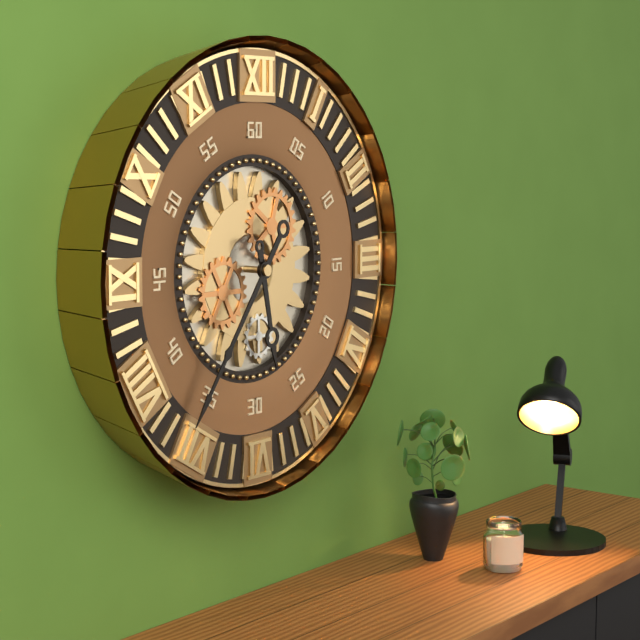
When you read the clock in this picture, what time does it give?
5:36
